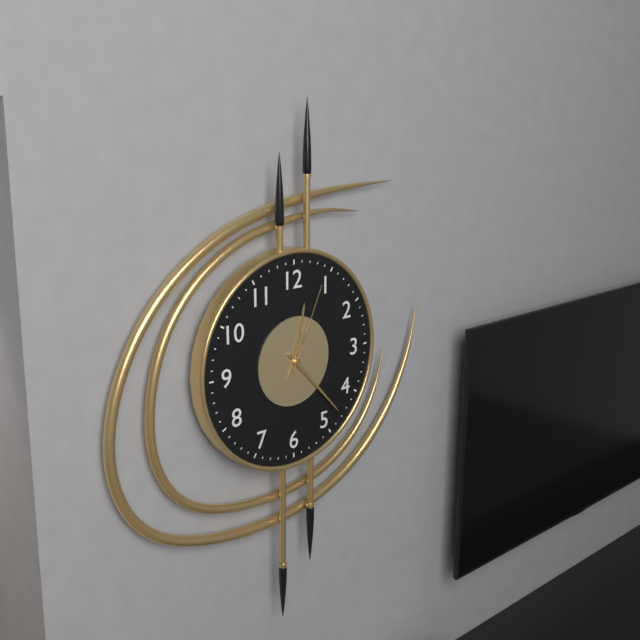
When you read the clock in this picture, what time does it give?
12:23:04
